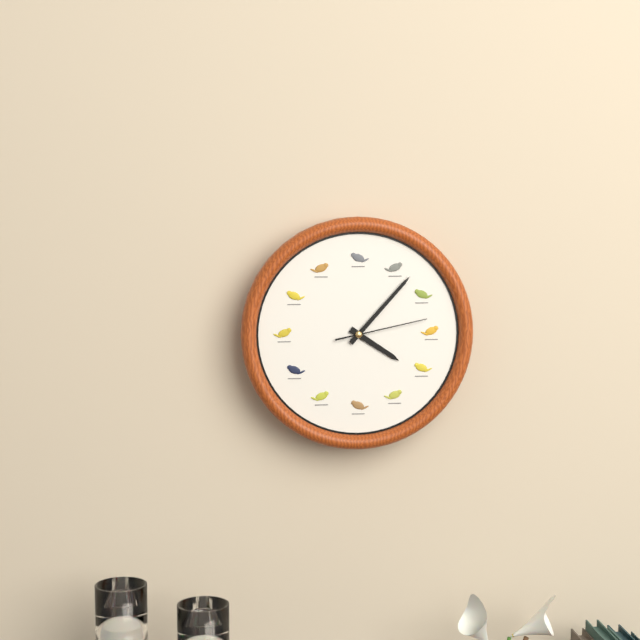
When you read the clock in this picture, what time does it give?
4:07:13
